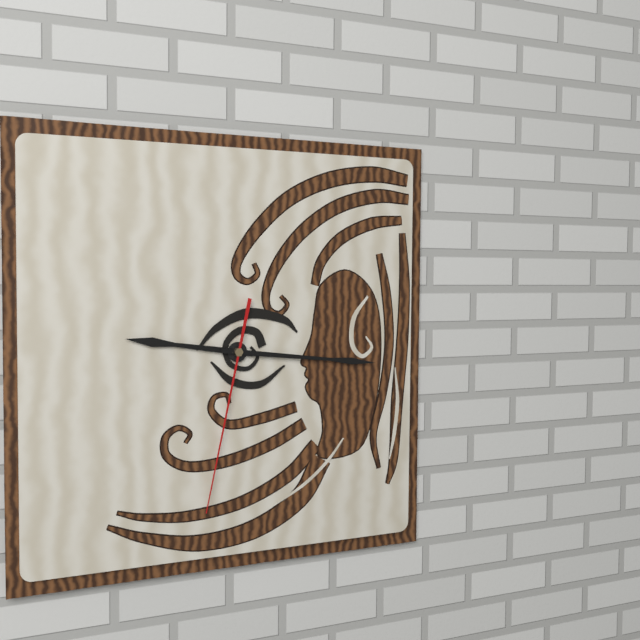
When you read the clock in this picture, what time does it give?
9:16:32
